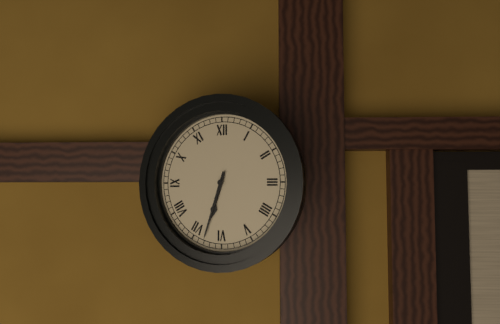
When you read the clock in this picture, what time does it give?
6:33
